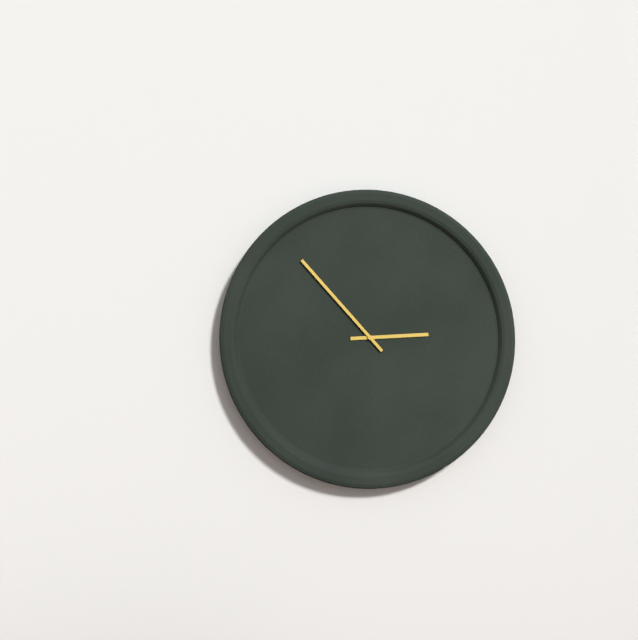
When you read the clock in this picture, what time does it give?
2:53
